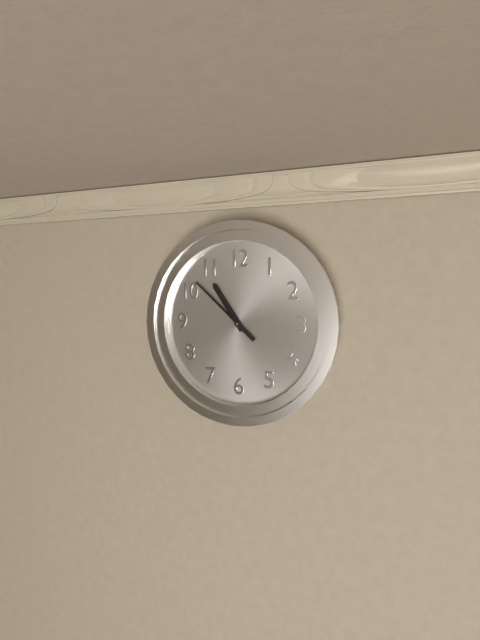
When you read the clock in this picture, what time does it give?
10:52
